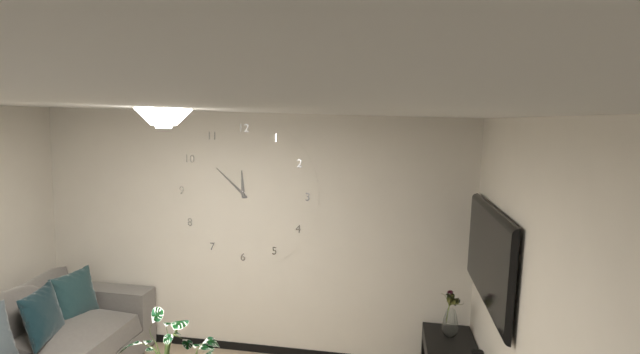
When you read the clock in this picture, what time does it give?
11:52
